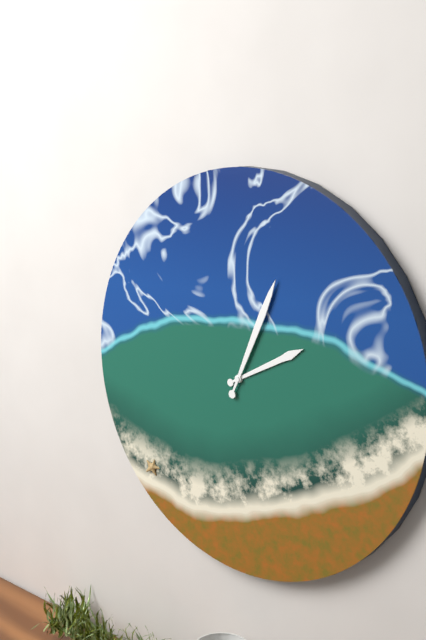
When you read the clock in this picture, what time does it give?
2:04
